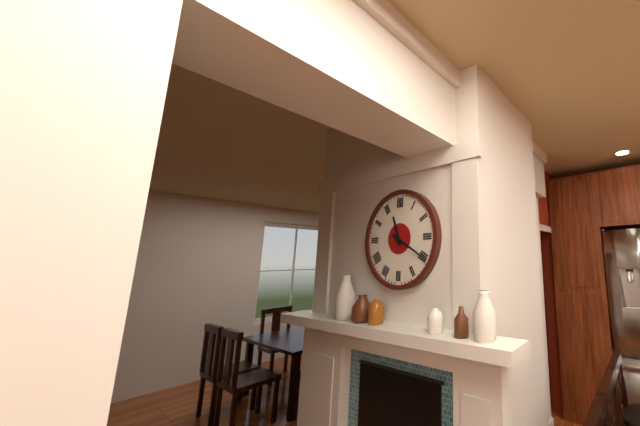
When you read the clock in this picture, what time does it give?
11:20
